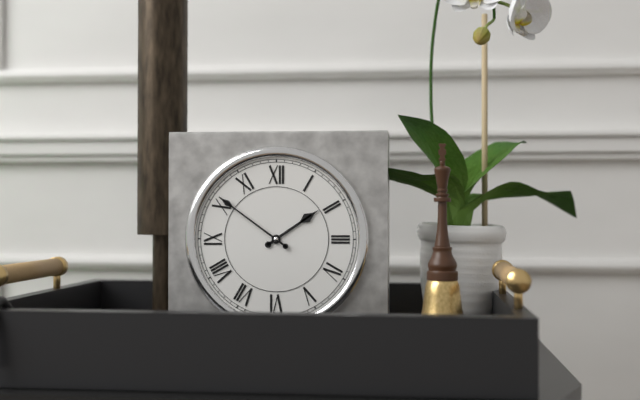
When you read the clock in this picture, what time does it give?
1:51
